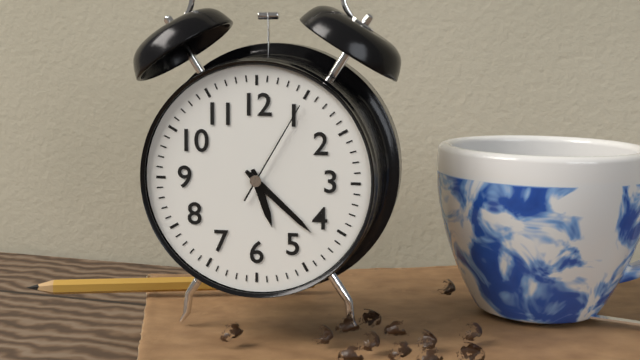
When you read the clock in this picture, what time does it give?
5:22:05
